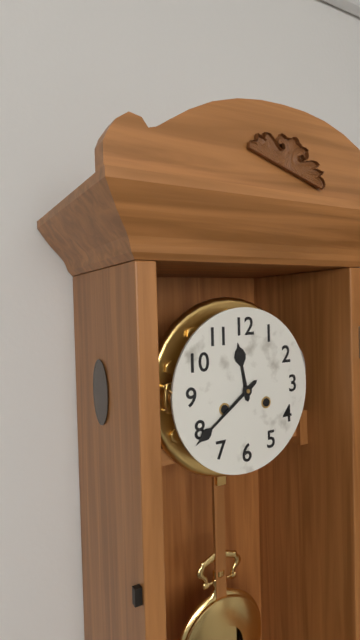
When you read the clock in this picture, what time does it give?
11:39
